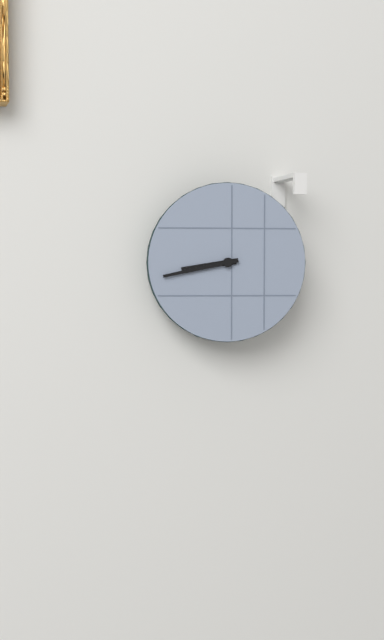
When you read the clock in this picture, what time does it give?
8:43
